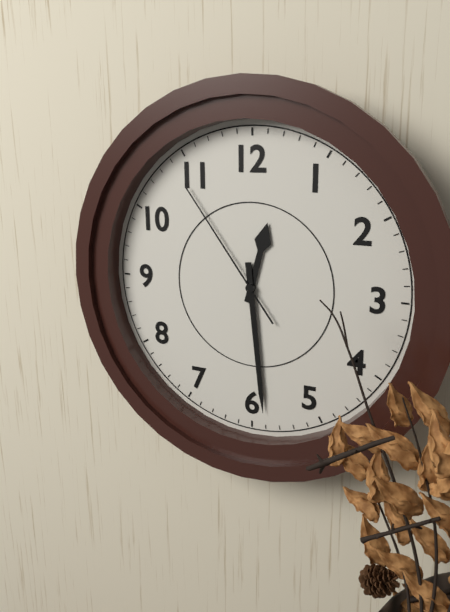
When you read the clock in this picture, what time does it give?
12:29:54
